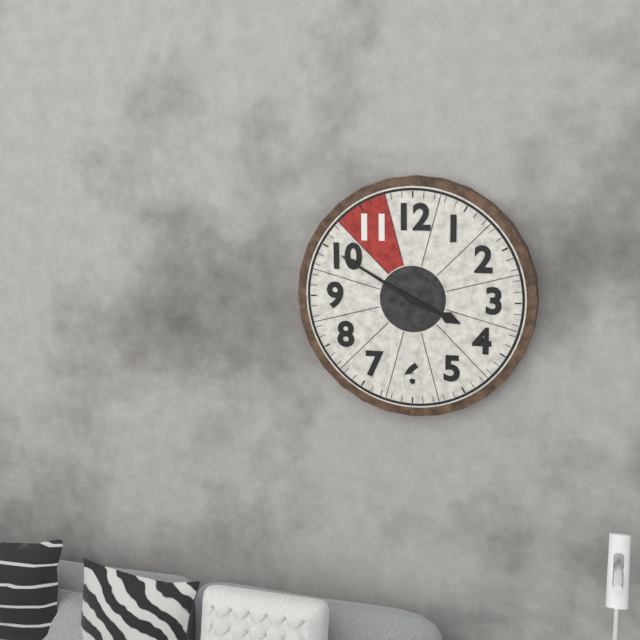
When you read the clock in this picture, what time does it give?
3:50
